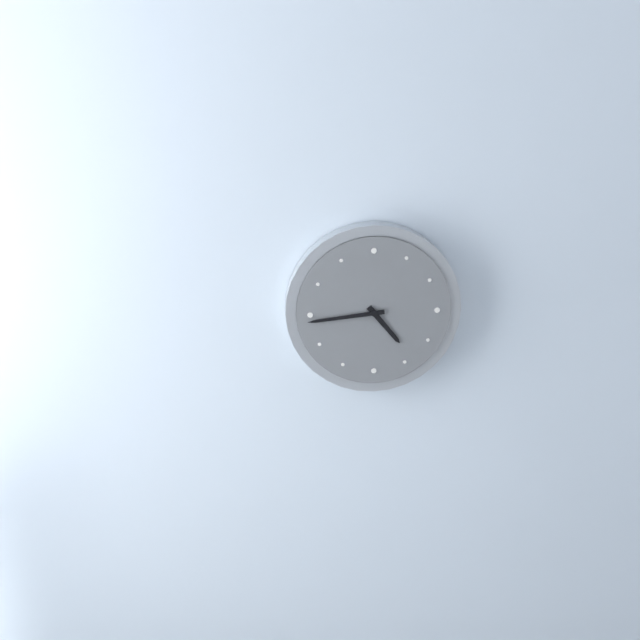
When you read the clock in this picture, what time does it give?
4:44
